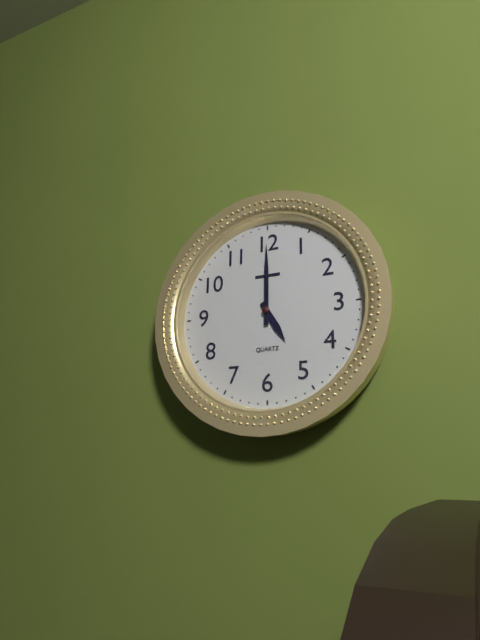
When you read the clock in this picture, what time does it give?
5:00
